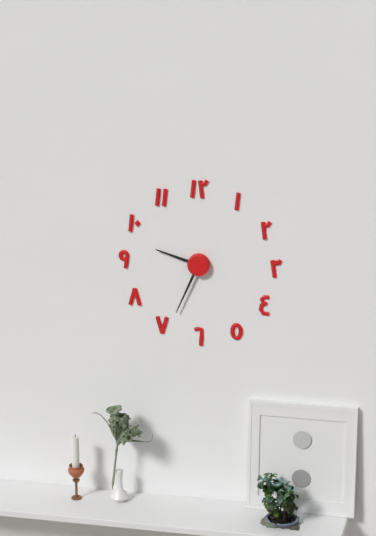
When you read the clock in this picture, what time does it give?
9:34
